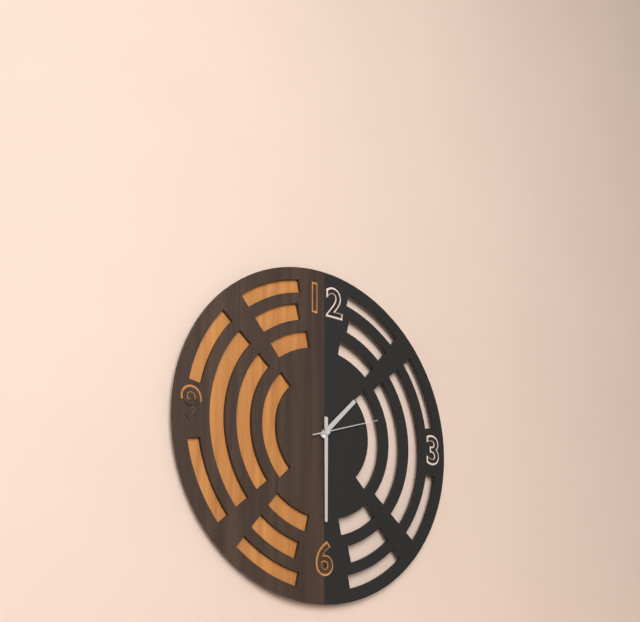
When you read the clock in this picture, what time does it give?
1:30:12
